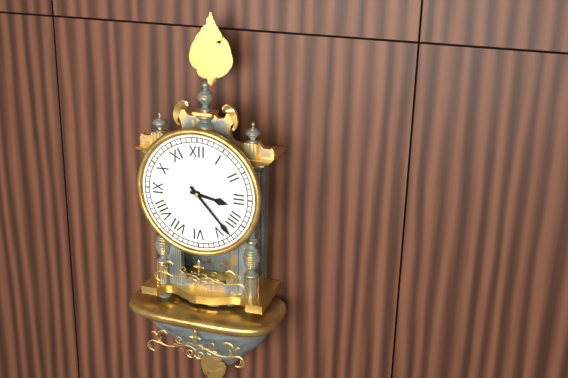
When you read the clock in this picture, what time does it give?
3:23
